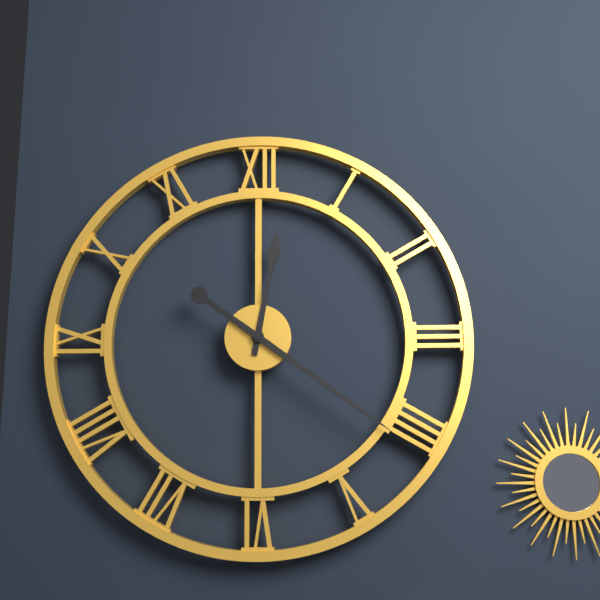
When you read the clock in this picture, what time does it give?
12:21
